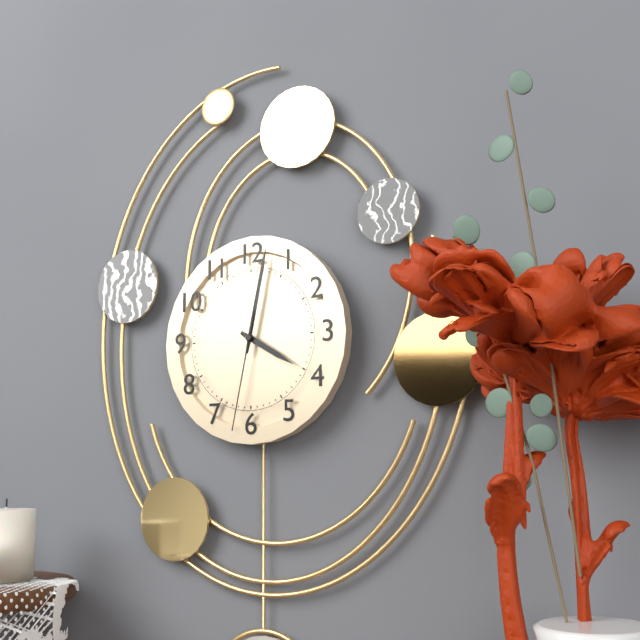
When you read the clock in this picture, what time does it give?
4:02:32
